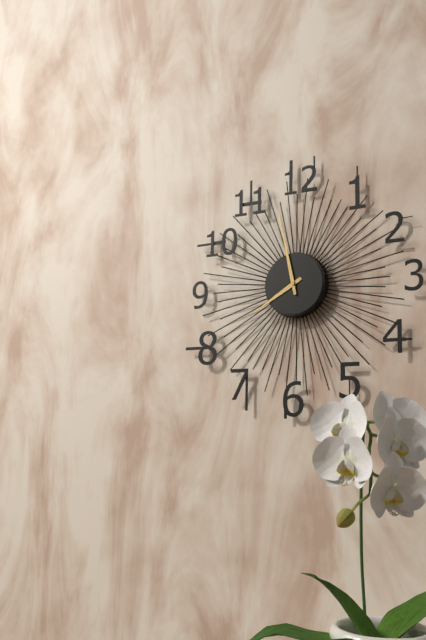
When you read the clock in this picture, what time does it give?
7:58
